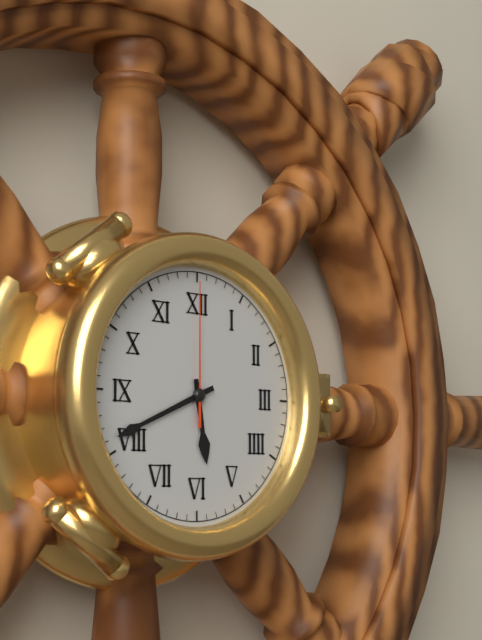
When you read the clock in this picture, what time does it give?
5:41:00
